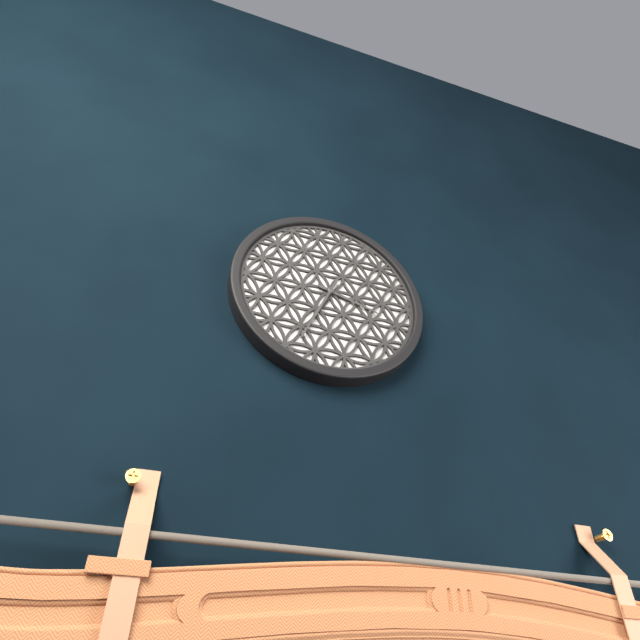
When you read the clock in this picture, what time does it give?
3:34
